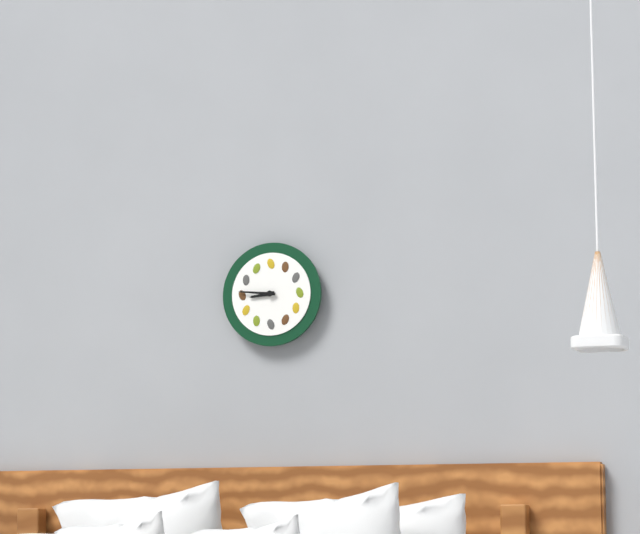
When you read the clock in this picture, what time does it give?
8:46
